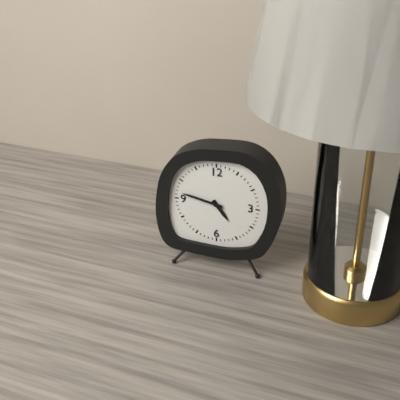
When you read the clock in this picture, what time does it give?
4:47
